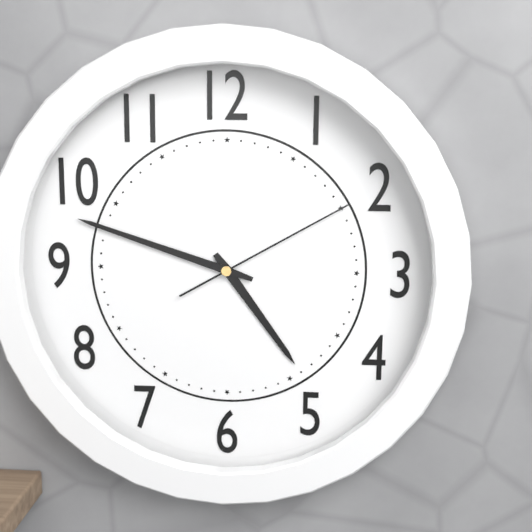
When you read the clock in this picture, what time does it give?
4:48:10
